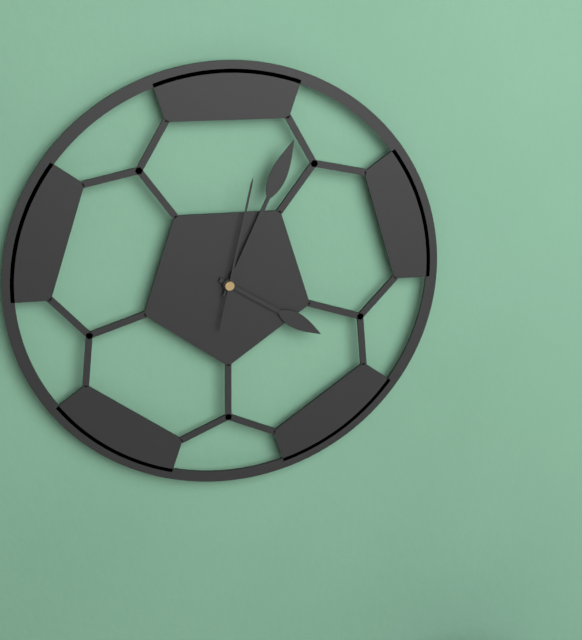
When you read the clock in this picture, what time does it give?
4:04:02
